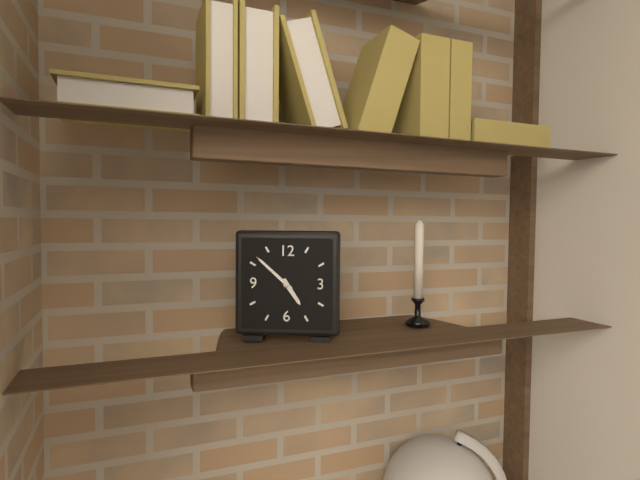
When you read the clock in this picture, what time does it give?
4:52
